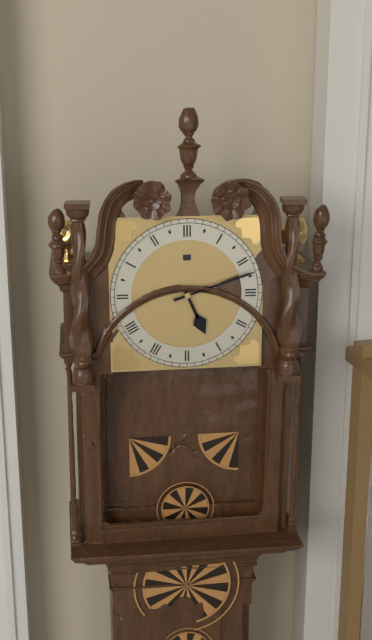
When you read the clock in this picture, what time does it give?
5:12
